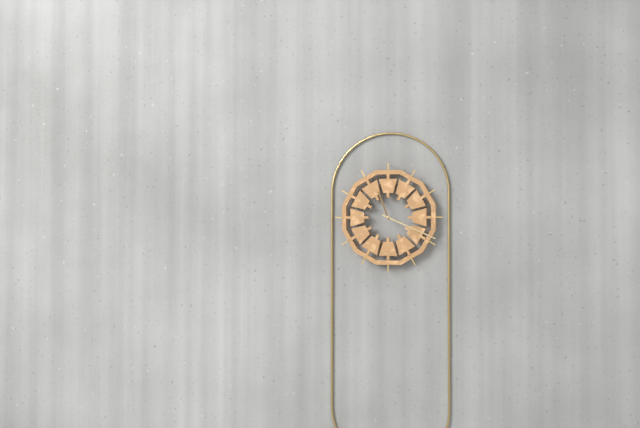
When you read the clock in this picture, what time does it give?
11:19
